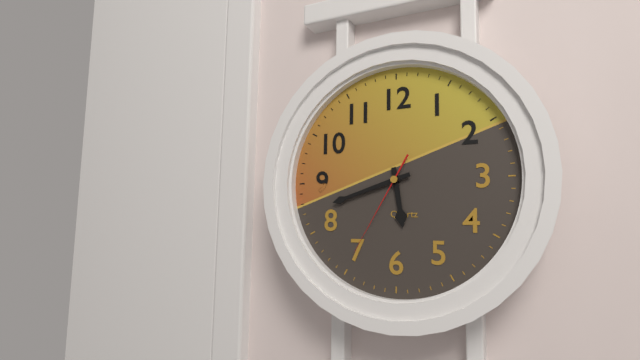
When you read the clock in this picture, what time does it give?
5:42:35
